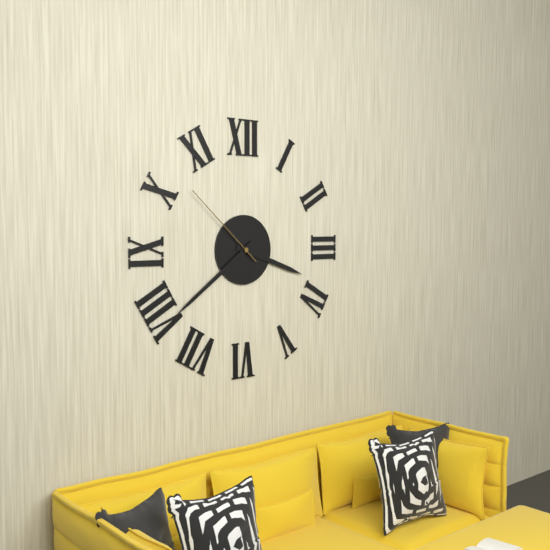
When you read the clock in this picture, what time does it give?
3:39:52
